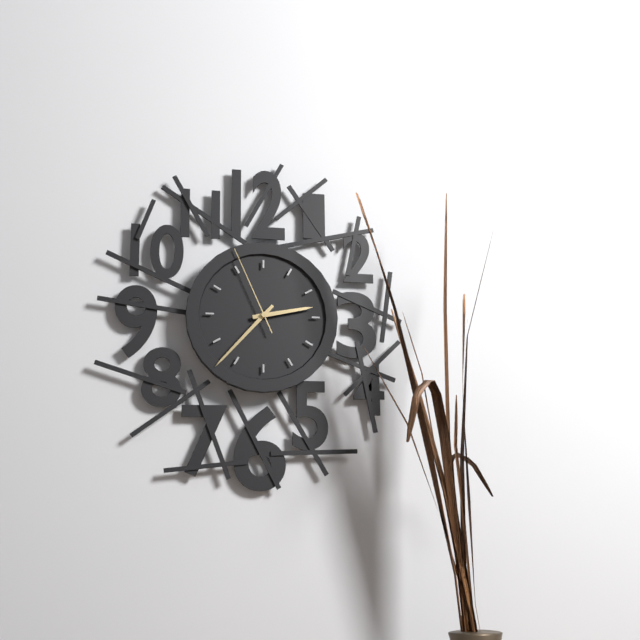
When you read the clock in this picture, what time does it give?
2:37:56
